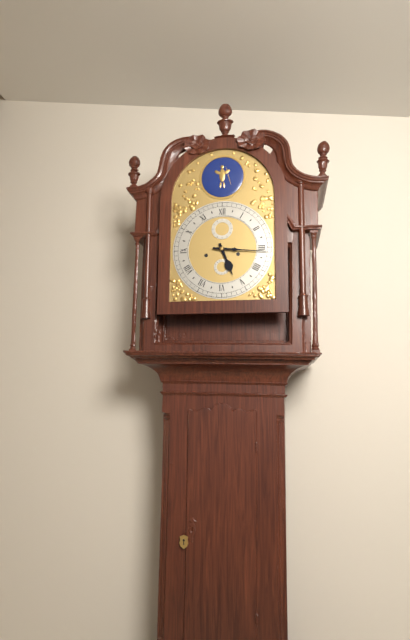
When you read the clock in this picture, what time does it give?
5:16
